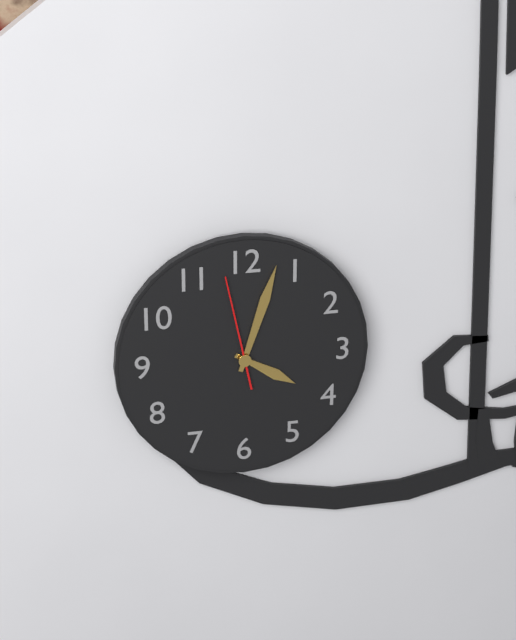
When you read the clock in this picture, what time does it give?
4:03:58
